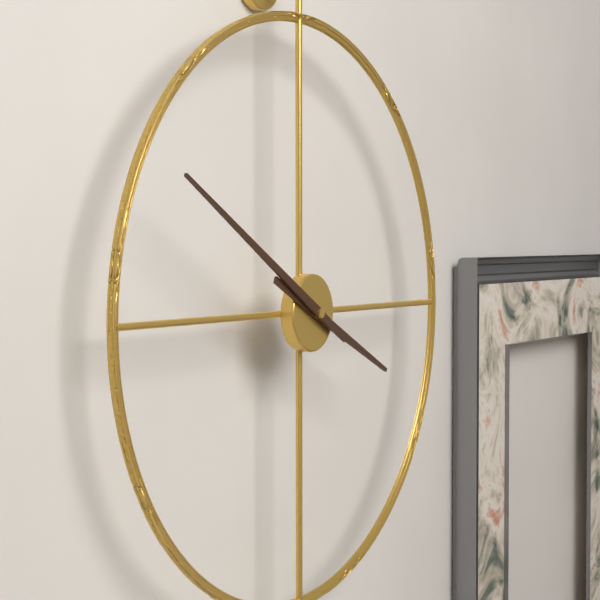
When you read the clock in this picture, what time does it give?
3:50
